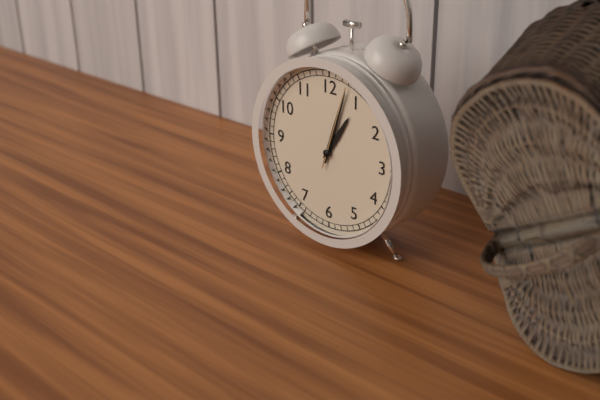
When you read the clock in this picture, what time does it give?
1:03:03
